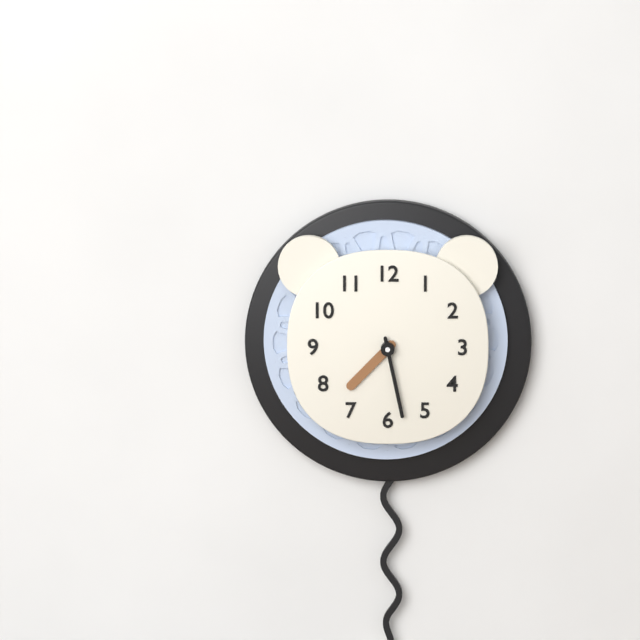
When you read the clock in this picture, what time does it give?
7:28
